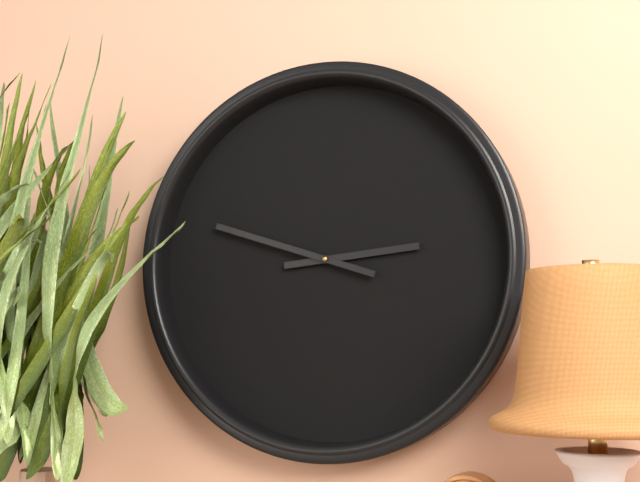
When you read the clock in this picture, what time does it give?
2:48
